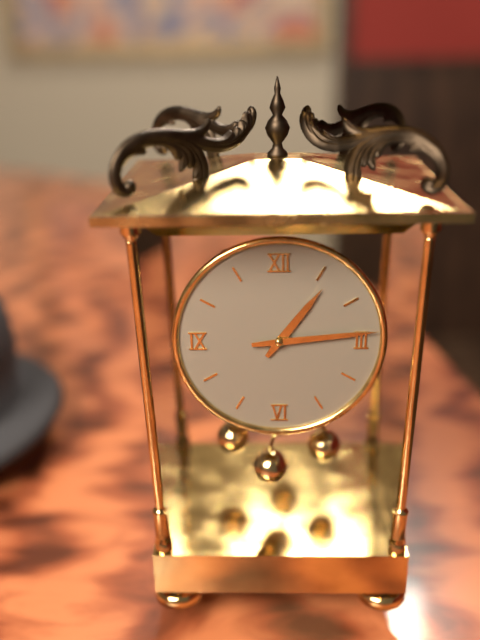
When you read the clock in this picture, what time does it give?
1:14
